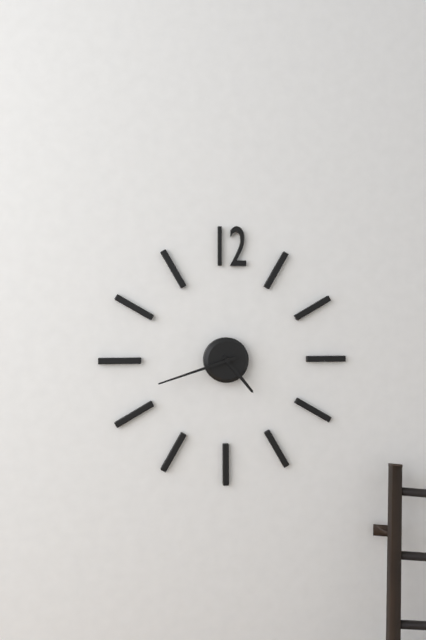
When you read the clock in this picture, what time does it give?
4:42
